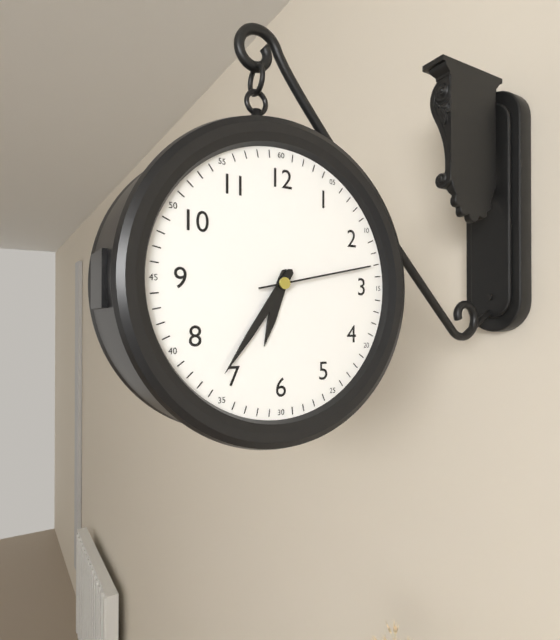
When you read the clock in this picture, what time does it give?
6:36:13
